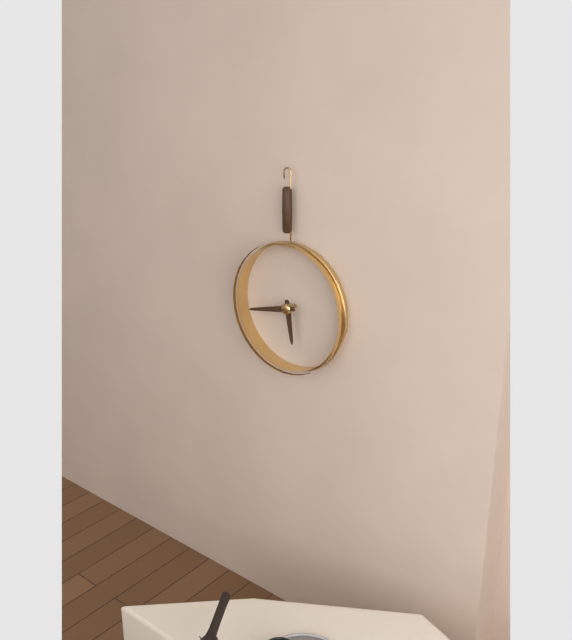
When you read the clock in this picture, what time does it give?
5:43
